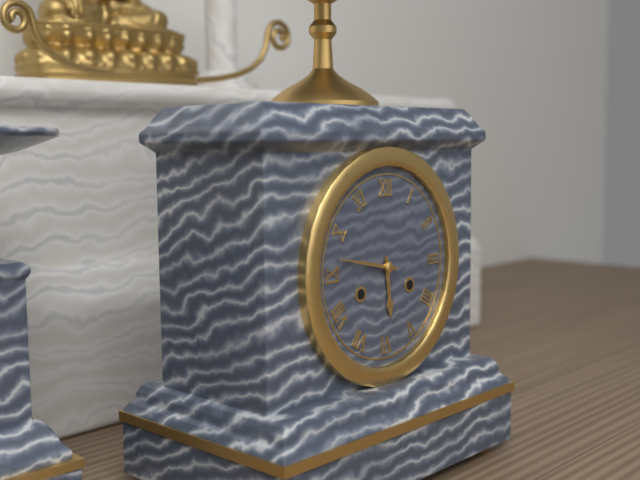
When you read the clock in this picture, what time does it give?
5:47
